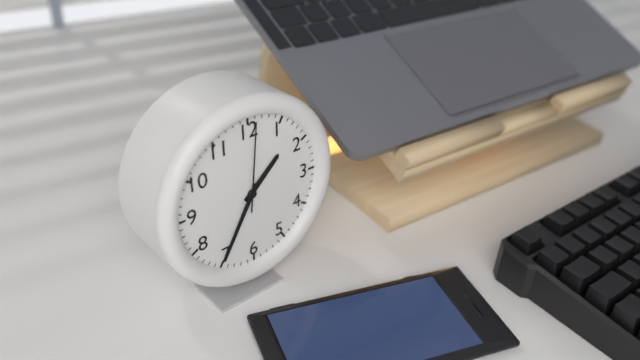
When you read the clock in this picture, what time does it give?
1:35:01
